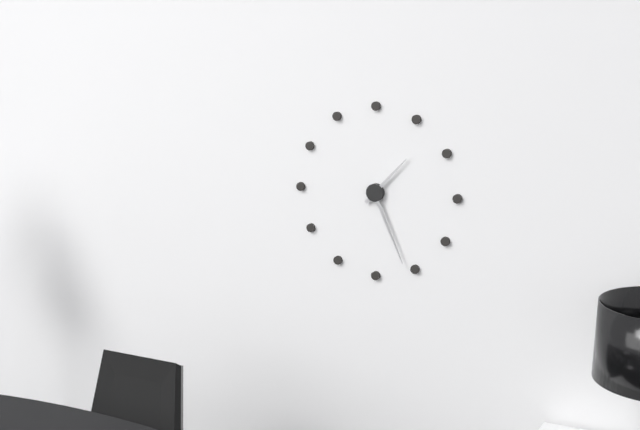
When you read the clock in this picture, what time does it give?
1:26
